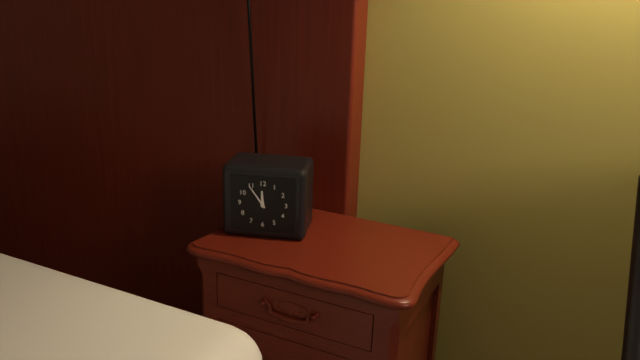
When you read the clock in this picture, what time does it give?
11:54
